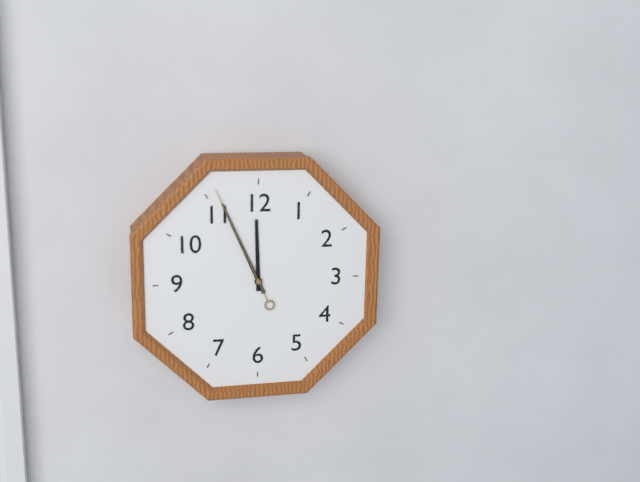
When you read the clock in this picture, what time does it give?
11:56:56
